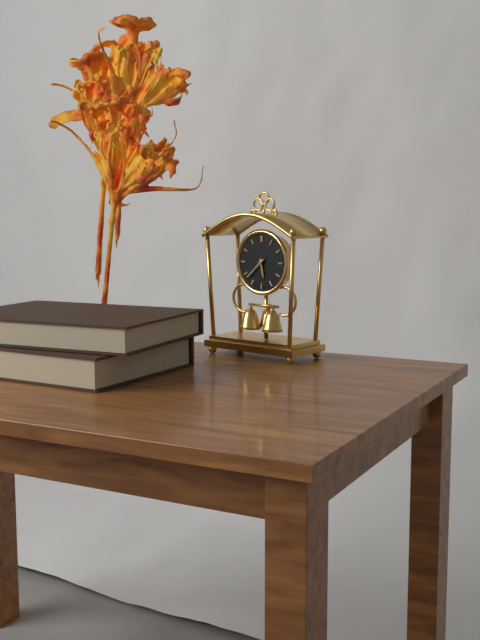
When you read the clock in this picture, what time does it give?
5:38
